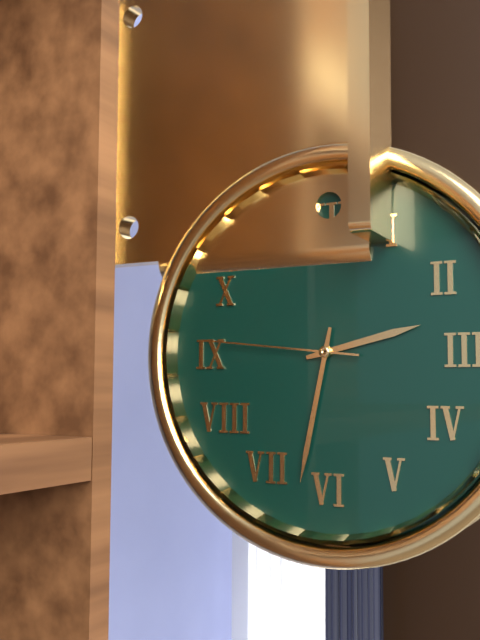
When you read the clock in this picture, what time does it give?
2:32:46
